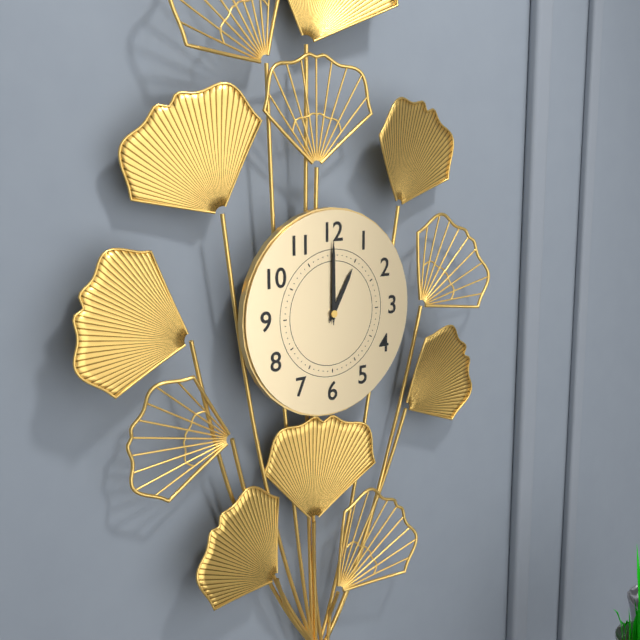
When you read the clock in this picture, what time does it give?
1:00
